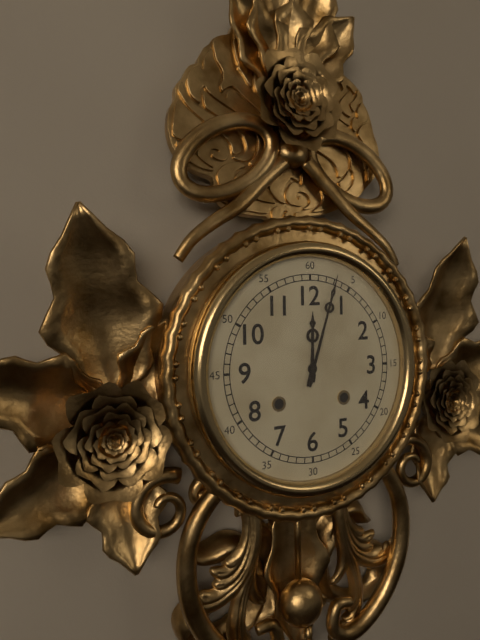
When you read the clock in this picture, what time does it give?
12:03
